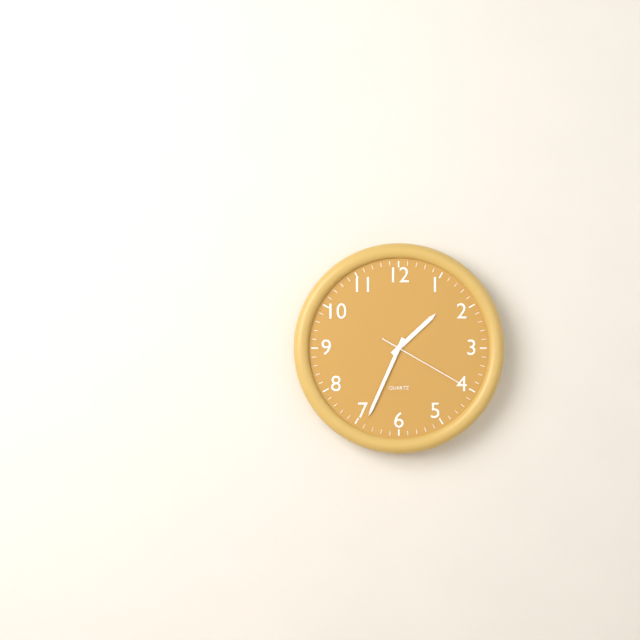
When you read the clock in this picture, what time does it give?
1:34:20
